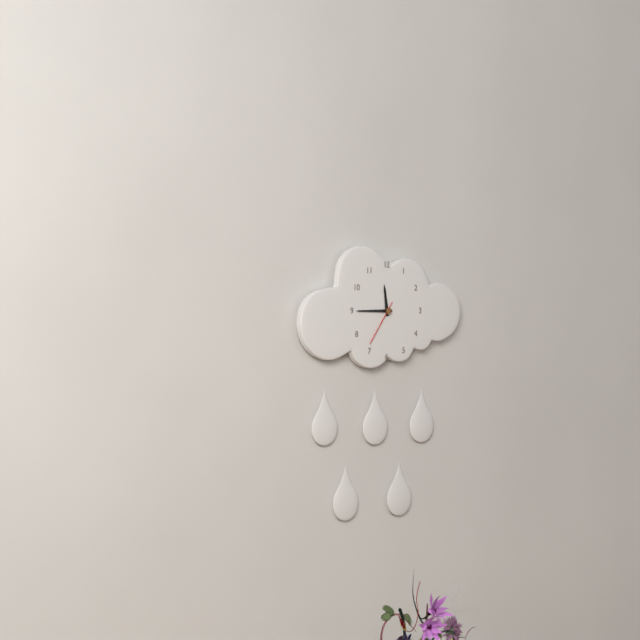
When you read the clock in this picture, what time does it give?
11:45
